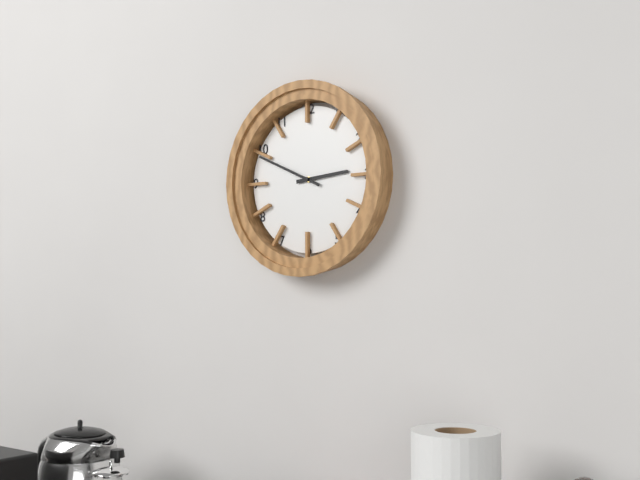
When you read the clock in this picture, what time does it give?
2:49
